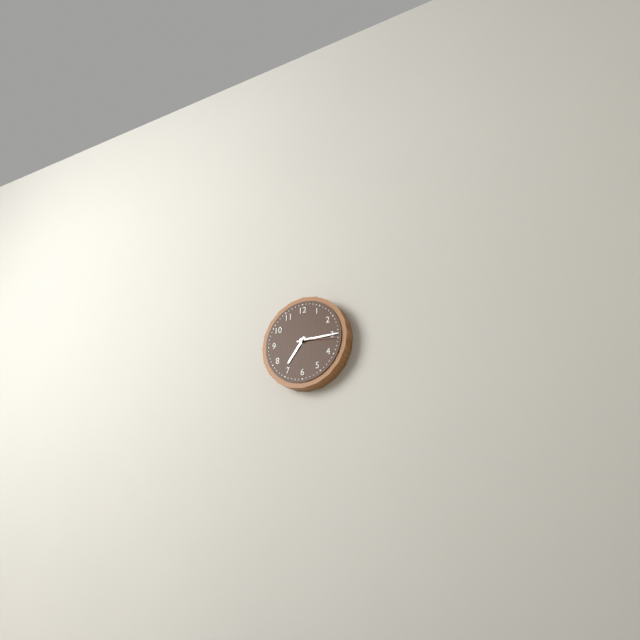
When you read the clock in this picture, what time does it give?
7:15
